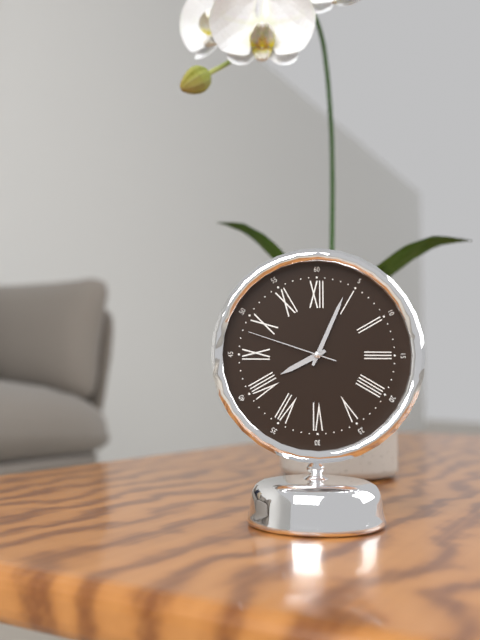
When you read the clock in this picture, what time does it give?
8:04:48
